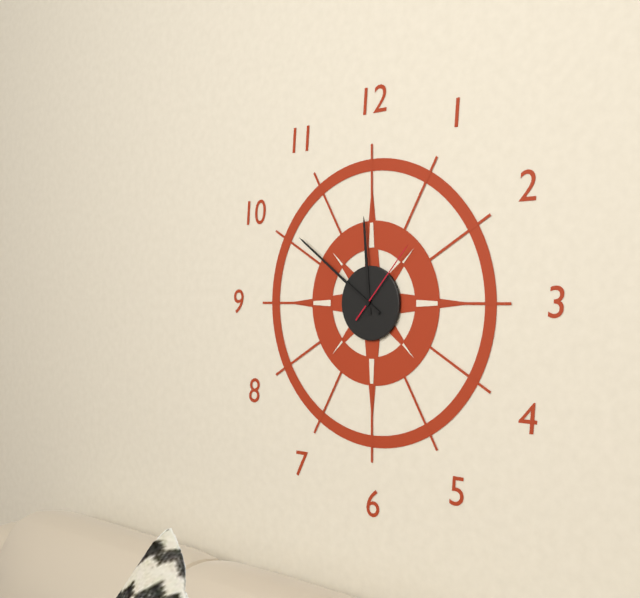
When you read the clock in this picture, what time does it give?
11:51:07
